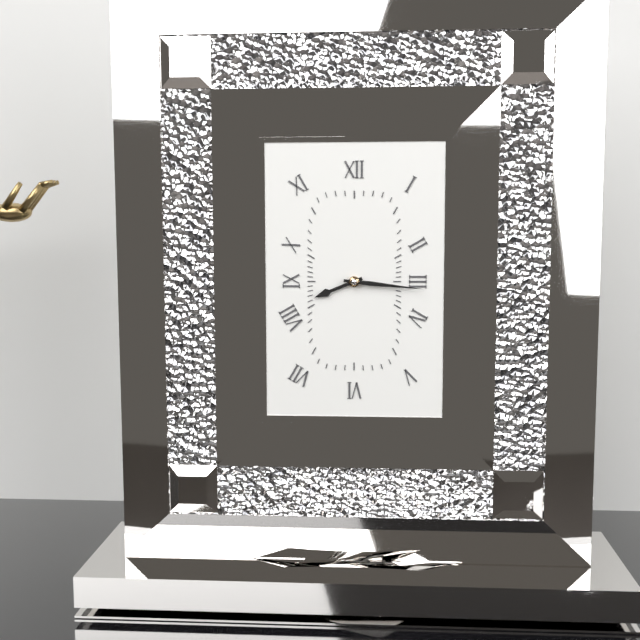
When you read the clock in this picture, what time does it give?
8:16
